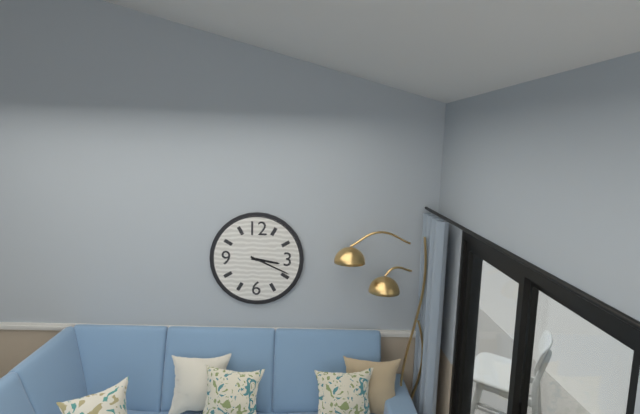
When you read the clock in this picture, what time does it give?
3:19
